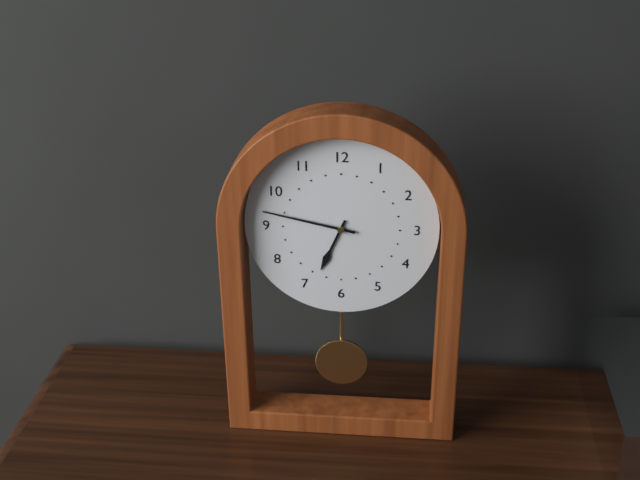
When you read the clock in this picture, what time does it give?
6:47
